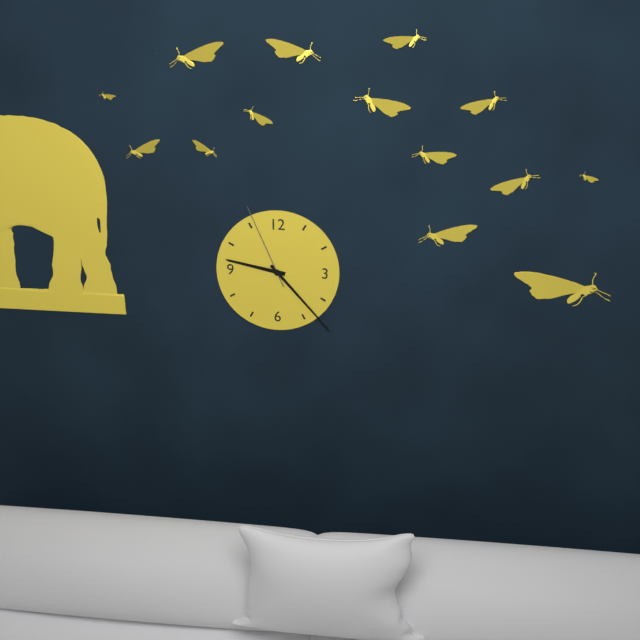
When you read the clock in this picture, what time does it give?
9:23:56
